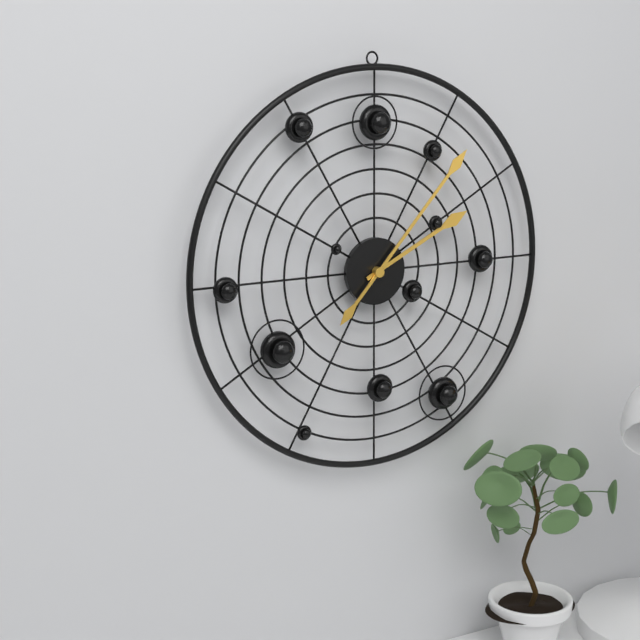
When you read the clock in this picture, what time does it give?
2:07
